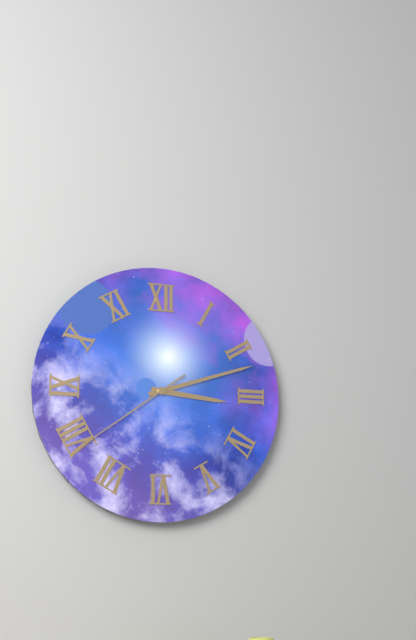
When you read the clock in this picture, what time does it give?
3:12:39
